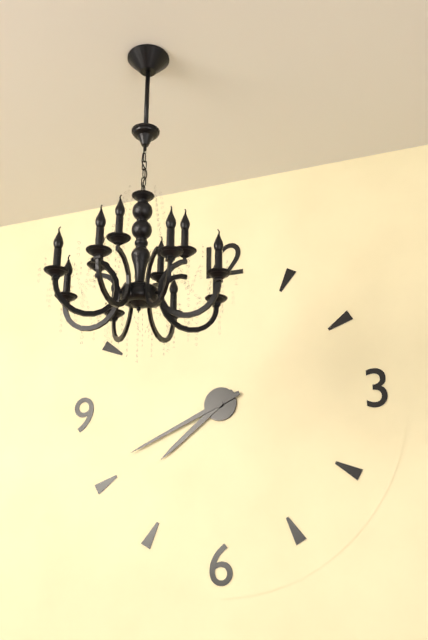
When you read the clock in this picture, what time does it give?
7:41
